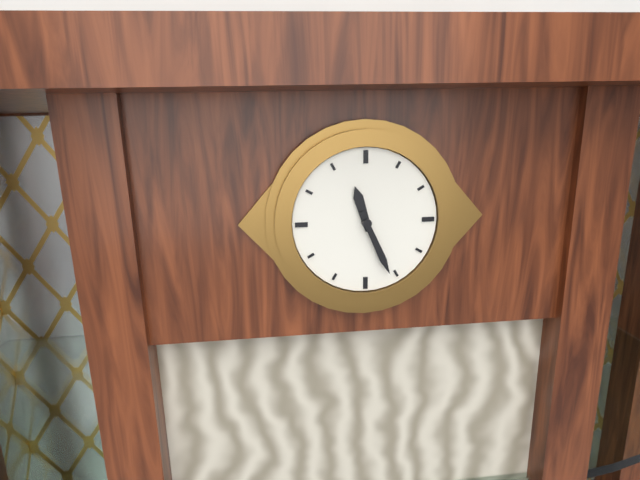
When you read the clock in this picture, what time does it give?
11:26
